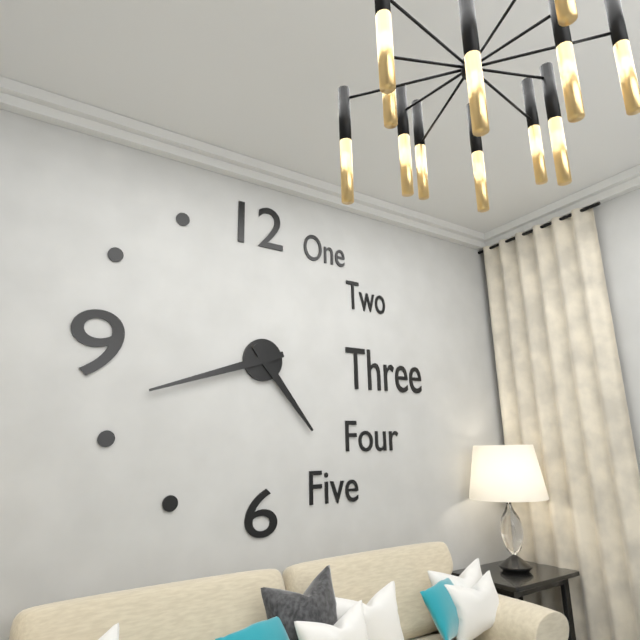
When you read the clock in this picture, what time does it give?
4:42
